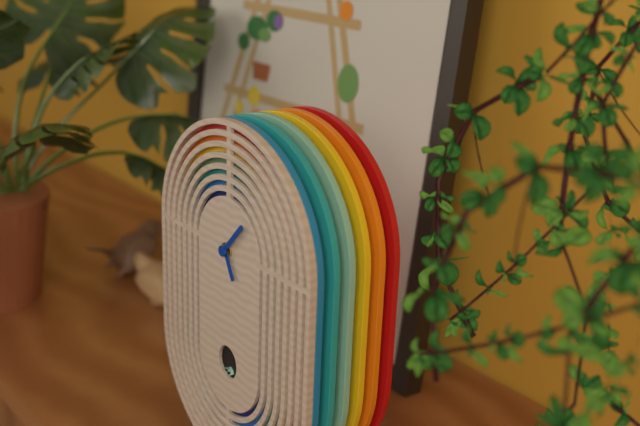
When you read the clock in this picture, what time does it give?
5:07
